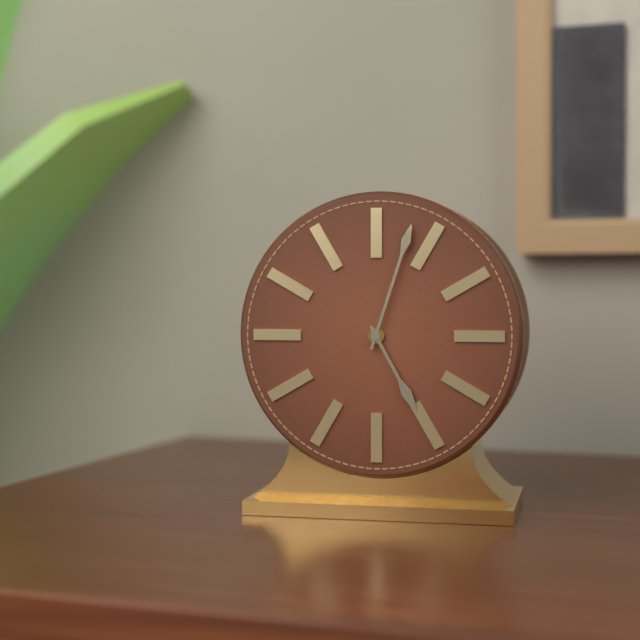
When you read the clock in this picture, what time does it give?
5:03
